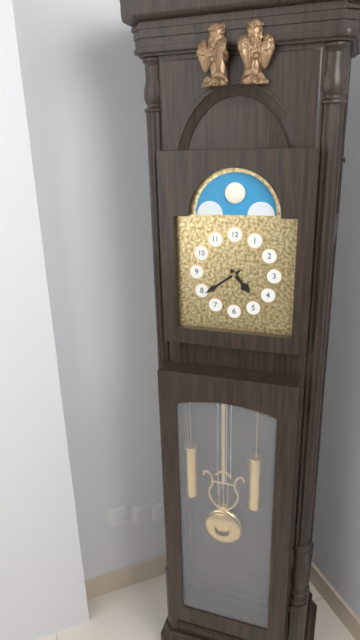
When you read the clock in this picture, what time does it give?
4:39
